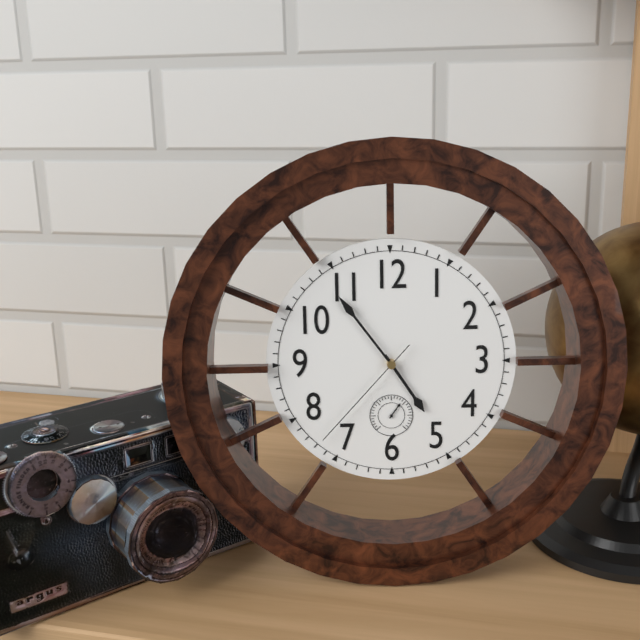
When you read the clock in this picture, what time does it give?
4:54:37
